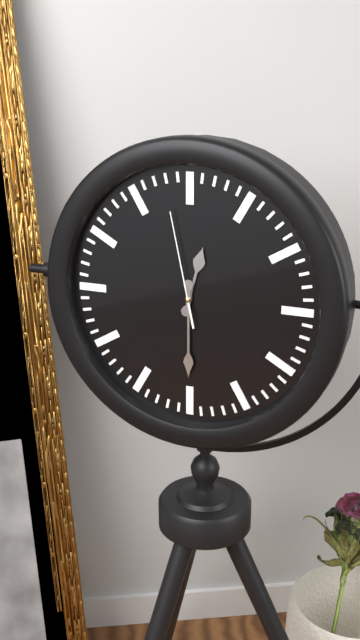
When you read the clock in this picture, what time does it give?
12:30:58
